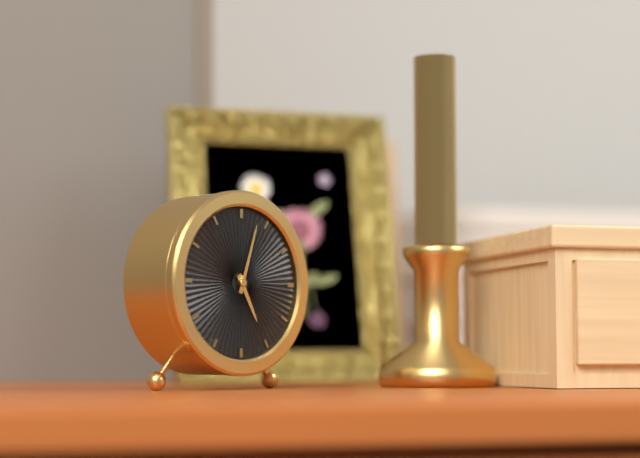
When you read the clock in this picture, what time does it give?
5:03
